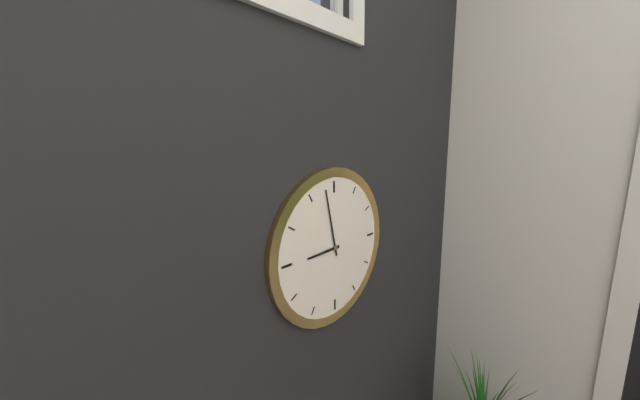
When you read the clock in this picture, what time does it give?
8:58
